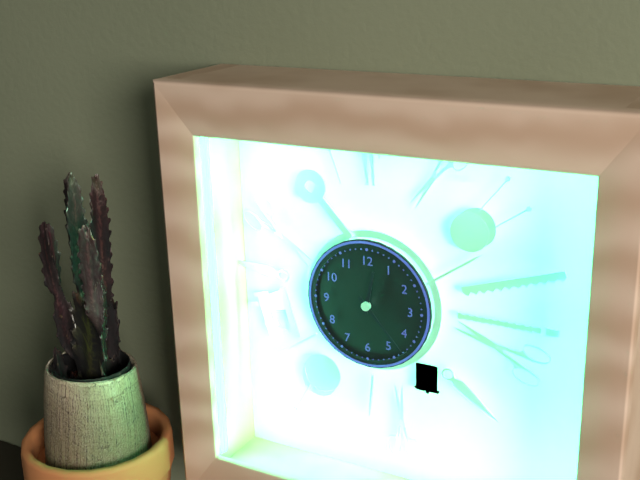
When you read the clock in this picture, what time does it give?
12:23
